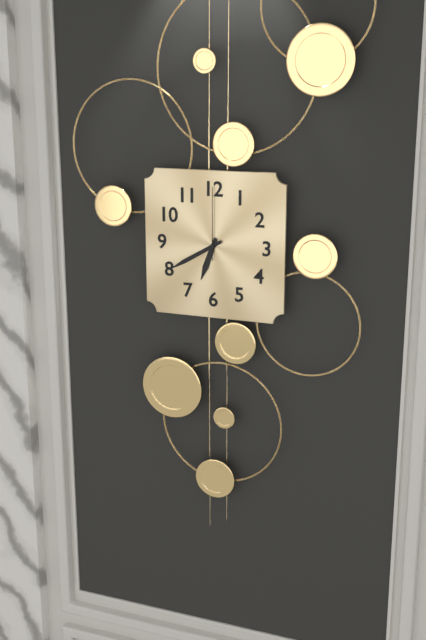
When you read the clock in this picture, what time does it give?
6:40:00
